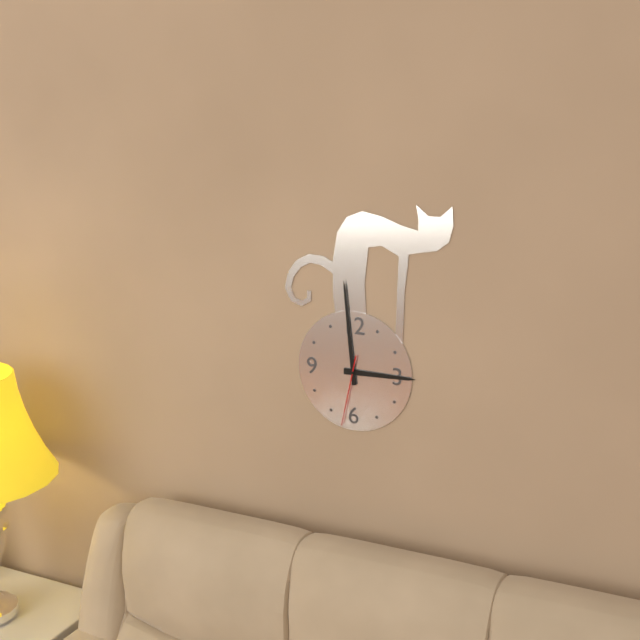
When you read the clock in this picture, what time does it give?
2:59:32
